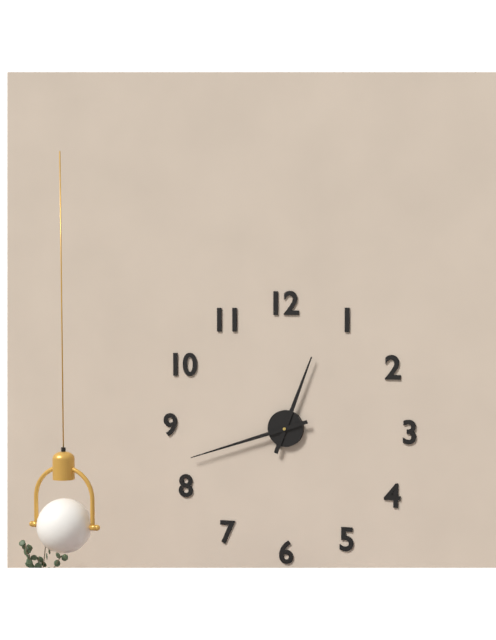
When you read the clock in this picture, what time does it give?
12:42
